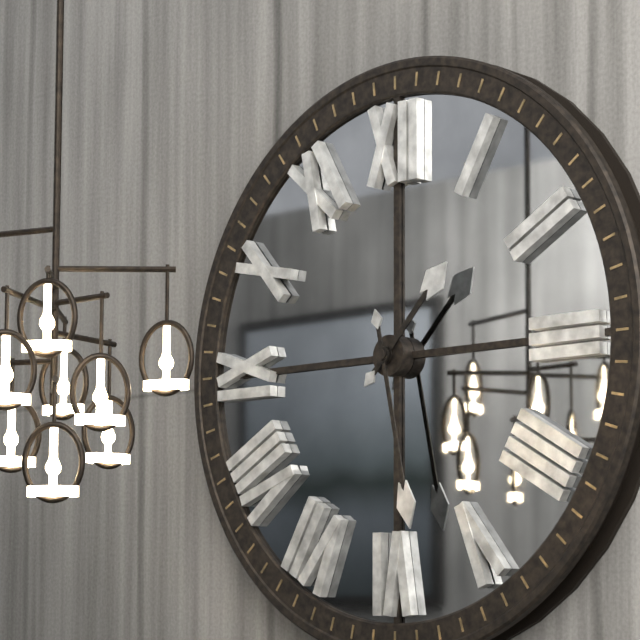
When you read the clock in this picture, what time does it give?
1:28
